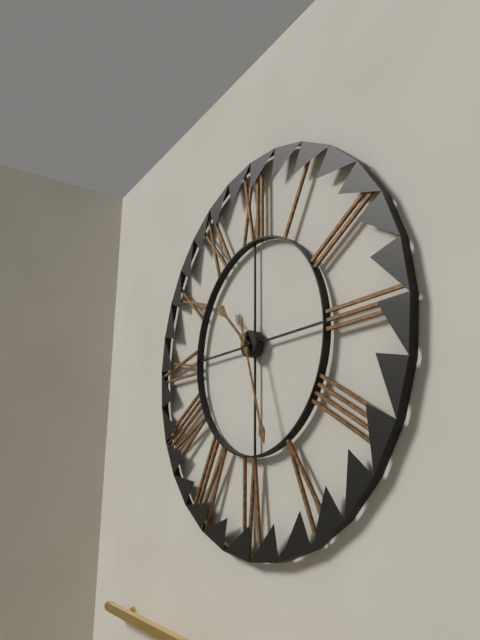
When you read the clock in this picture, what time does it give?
10:27
